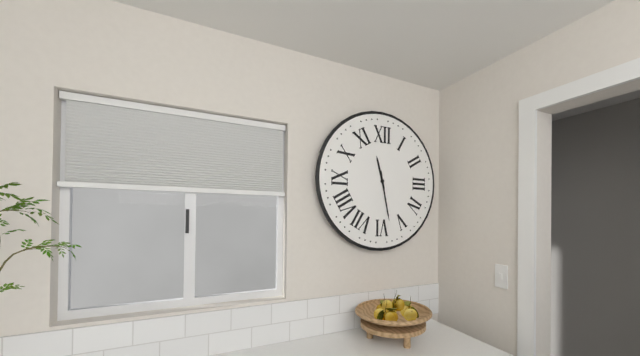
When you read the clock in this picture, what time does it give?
11:28
